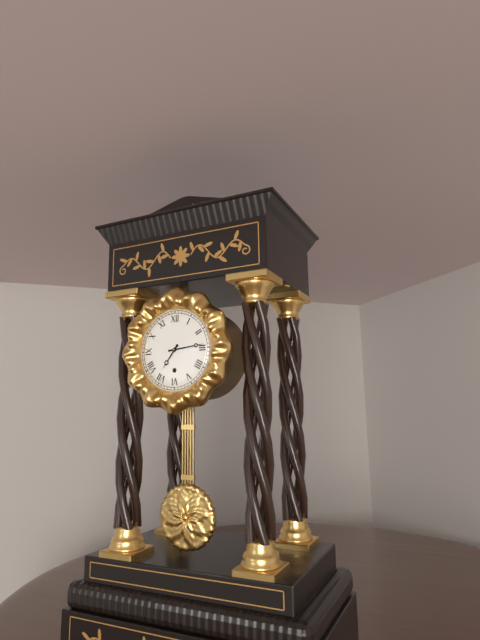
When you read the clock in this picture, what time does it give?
7:14
